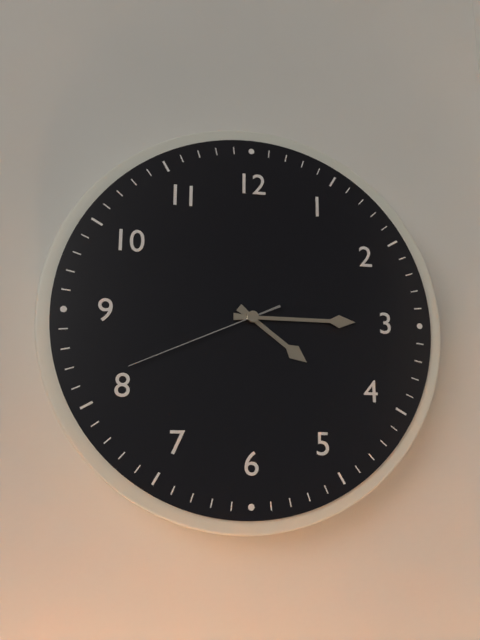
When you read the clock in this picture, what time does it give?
4:15:41
